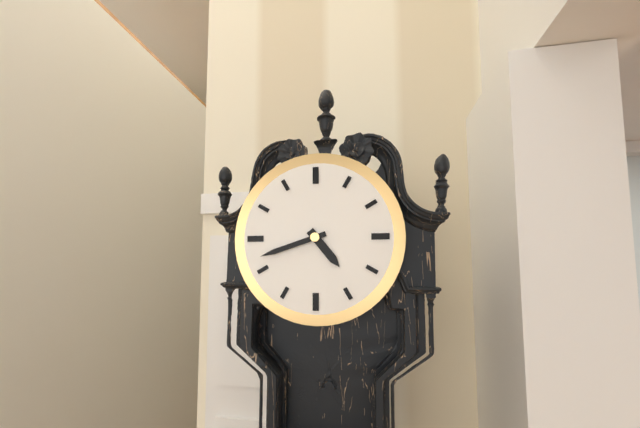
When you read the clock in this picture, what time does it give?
4:42
